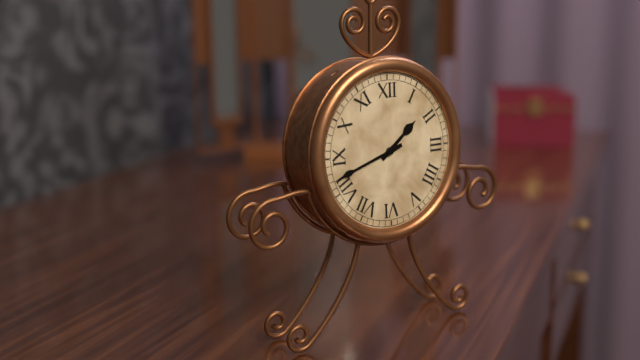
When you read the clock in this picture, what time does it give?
1:42
